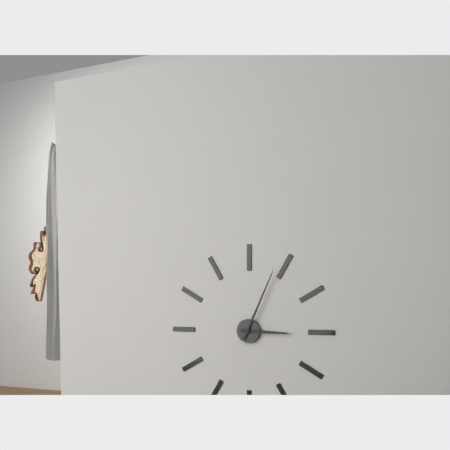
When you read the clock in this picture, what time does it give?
3:04
